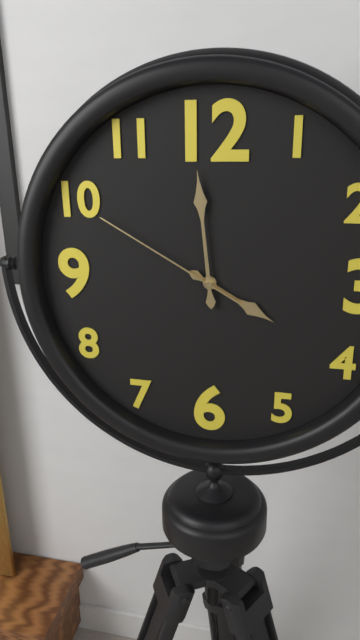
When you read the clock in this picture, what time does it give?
3:59:50
